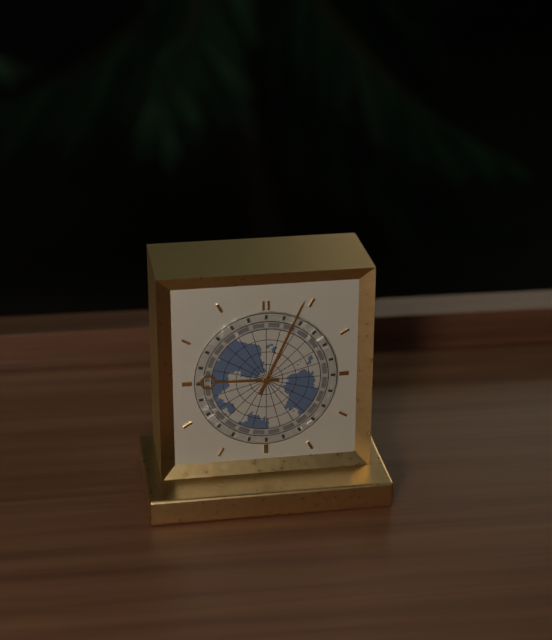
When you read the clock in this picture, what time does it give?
9:04
